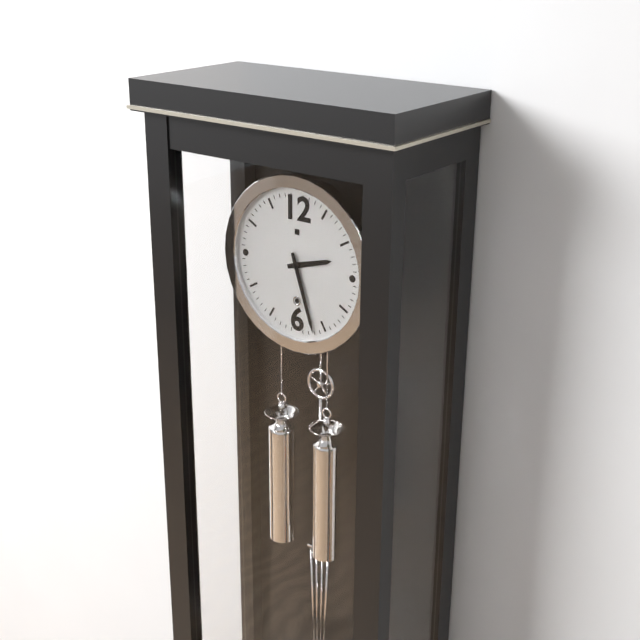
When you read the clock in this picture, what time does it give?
2:27
